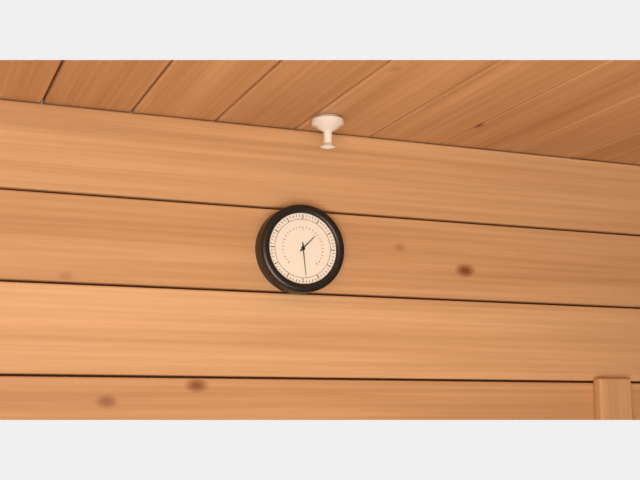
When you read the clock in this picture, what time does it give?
1:29
